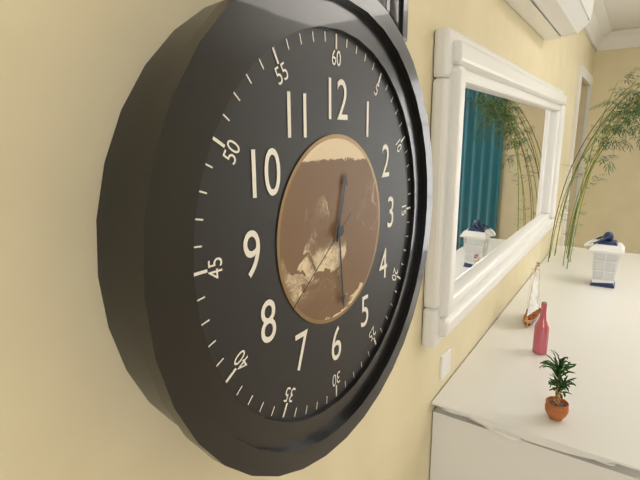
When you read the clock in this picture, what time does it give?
12:29:39
